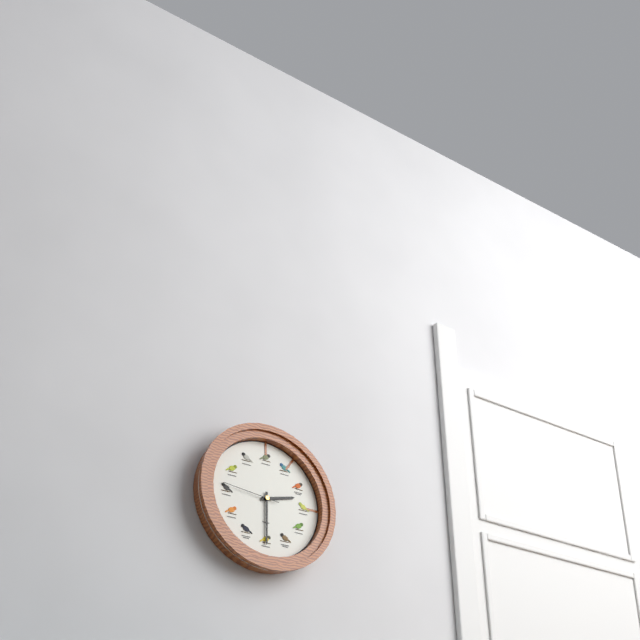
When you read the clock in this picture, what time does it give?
2:30:46
